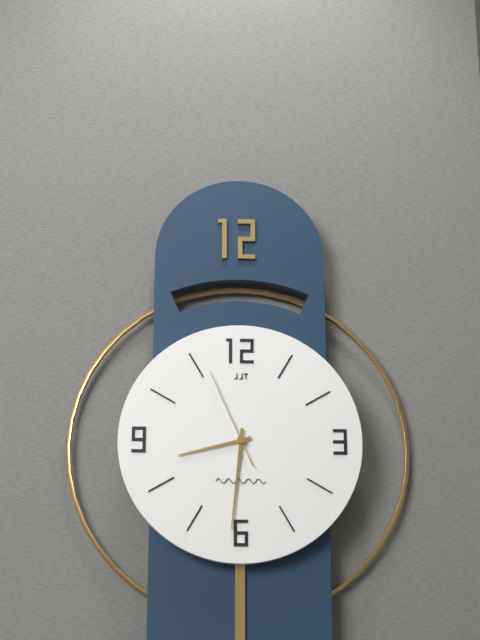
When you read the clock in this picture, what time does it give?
8:31:56
